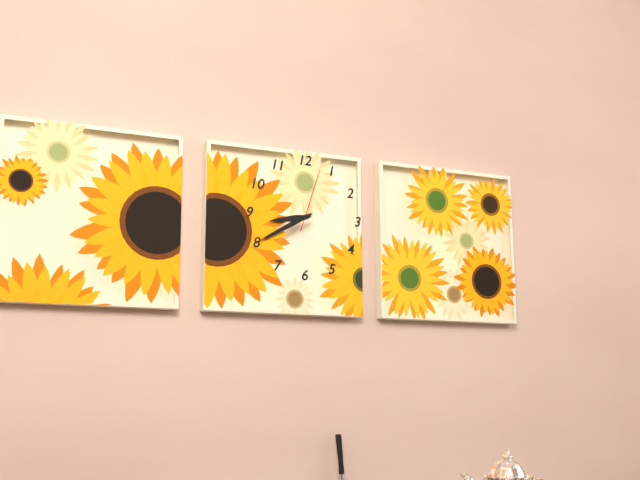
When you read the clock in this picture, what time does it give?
8:40:03
